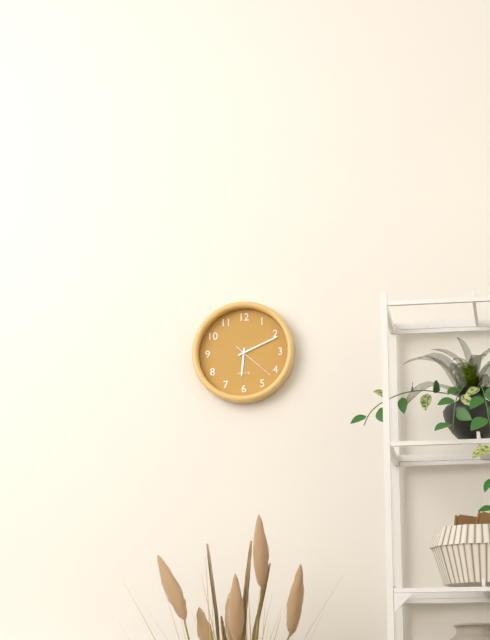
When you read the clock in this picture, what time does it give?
6:11
